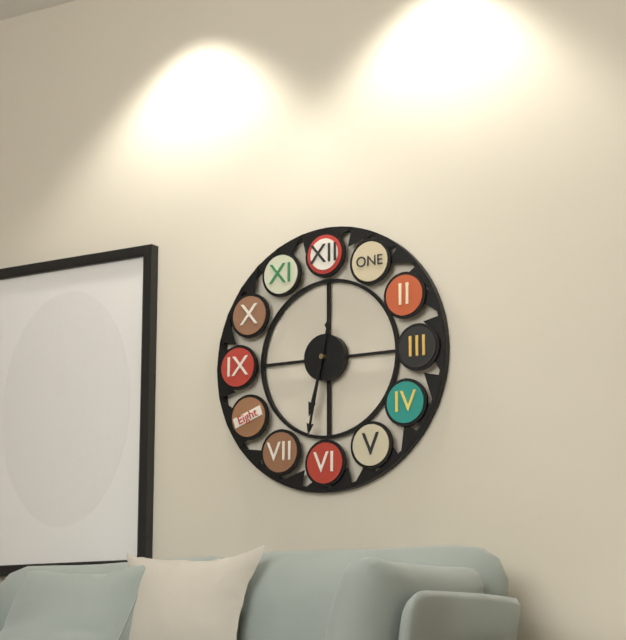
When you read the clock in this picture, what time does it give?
6:32
